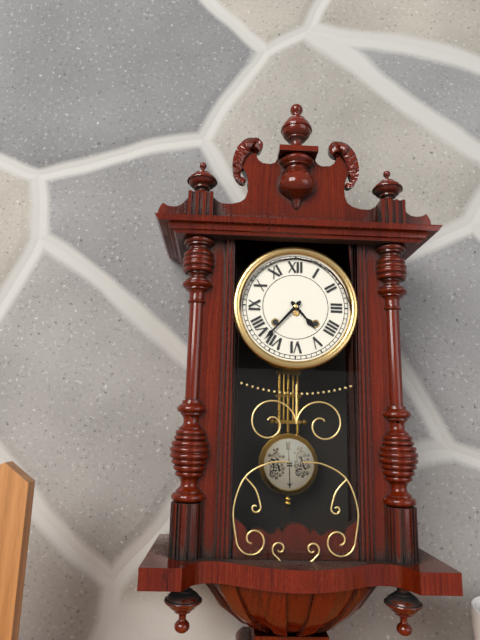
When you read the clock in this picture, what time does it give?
4:37
